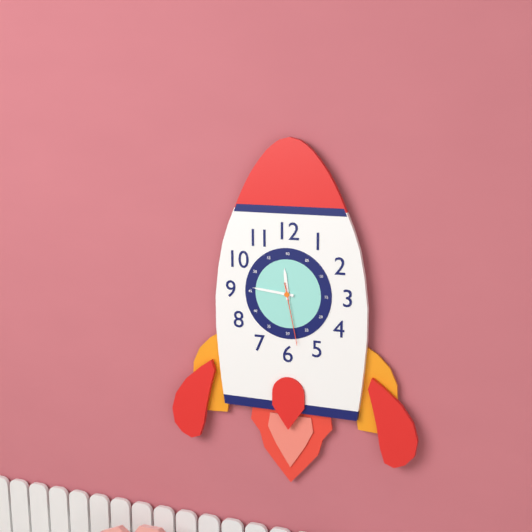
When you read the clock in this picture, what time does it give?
11:46:28
